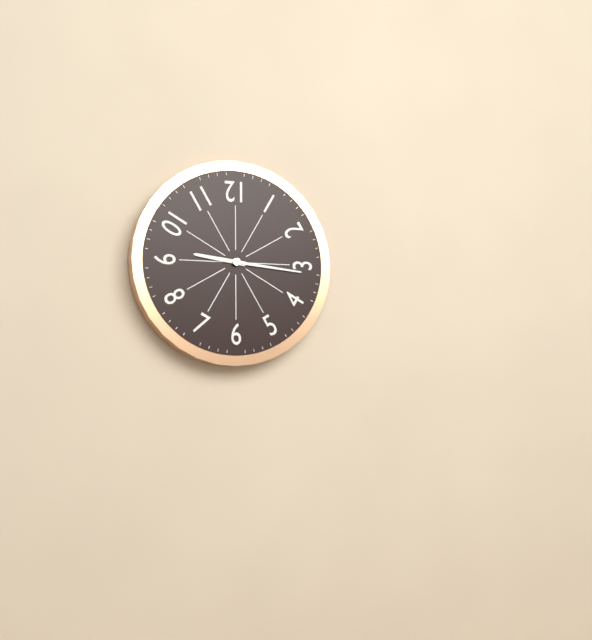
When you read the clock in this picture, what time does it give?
9:16
